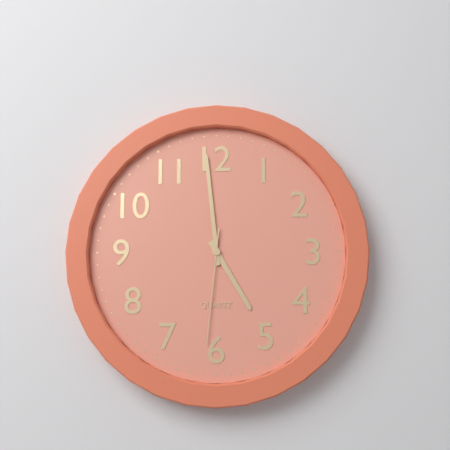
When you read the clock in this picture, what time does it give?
4:59:31
